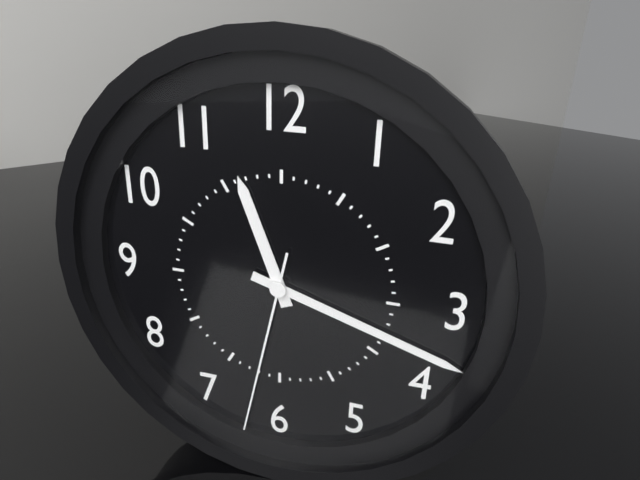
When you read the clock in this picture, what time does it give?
11:18:32
